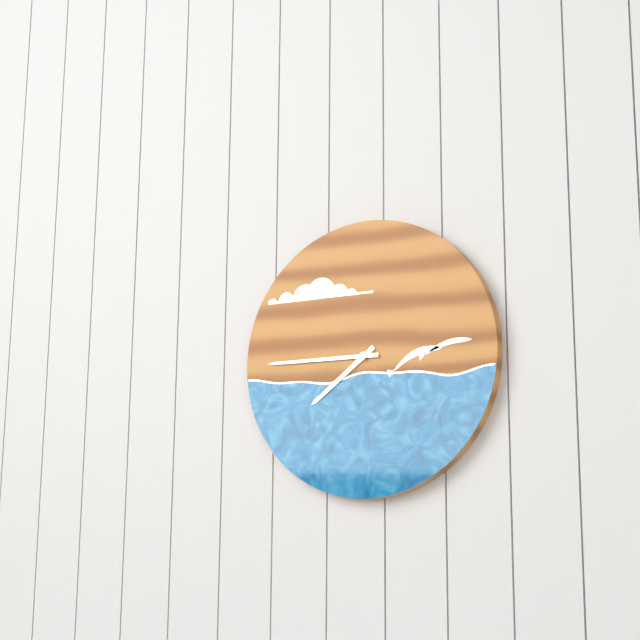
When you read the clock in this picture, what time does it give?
7:45
